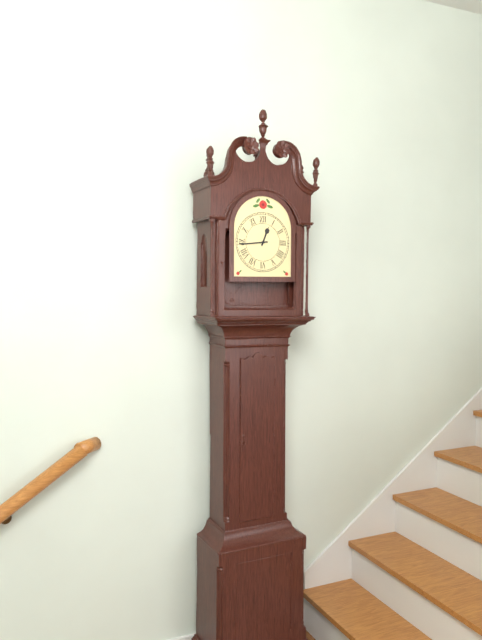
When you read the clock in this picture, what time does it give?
12:44
